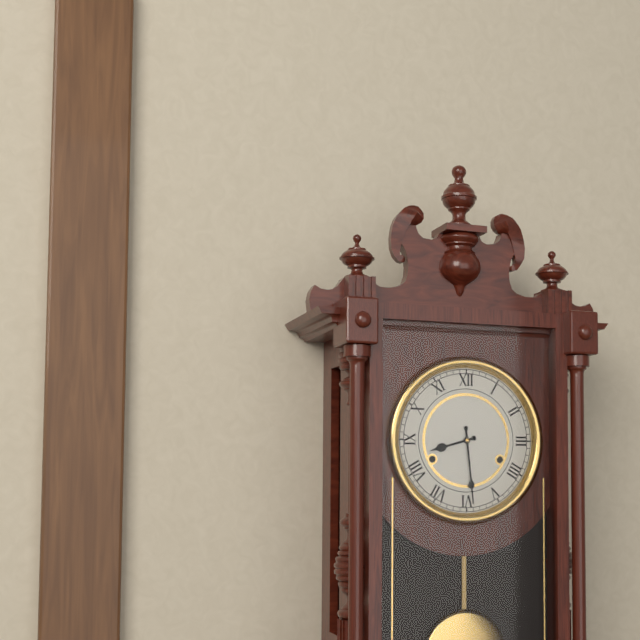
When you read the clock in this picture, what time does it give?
8:29
